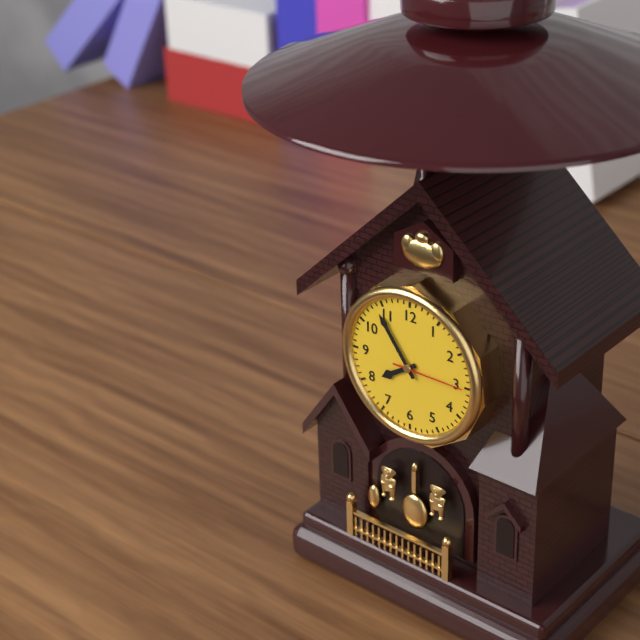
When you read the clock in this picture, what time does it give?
7:54:15
